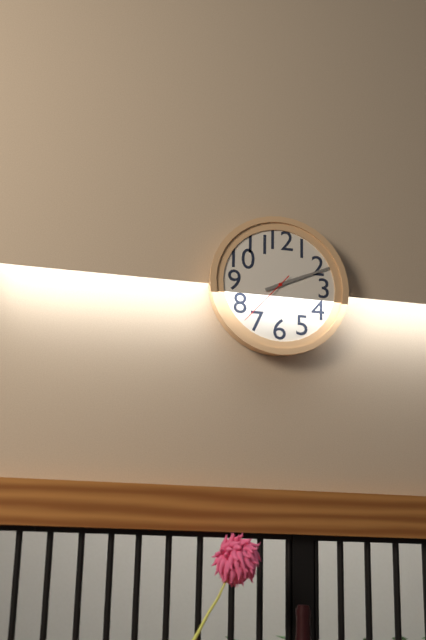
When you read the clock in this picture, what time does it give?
2:11:37
